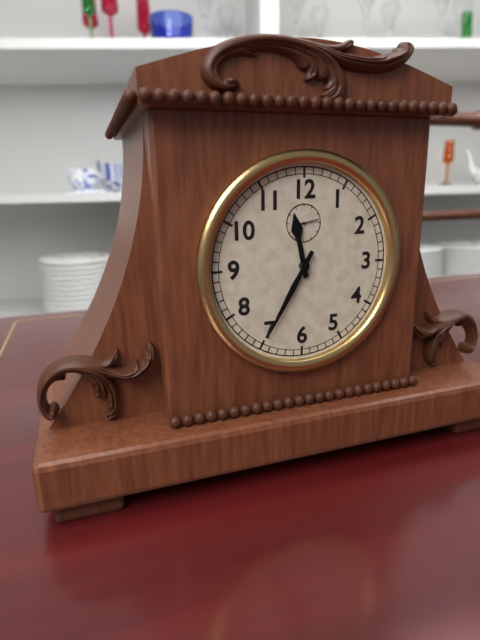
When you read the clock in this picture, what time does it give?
11:35
